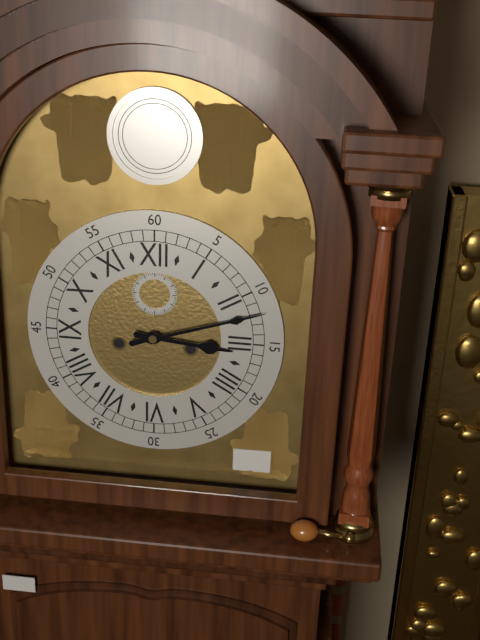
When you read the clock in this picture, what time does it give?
3:12
